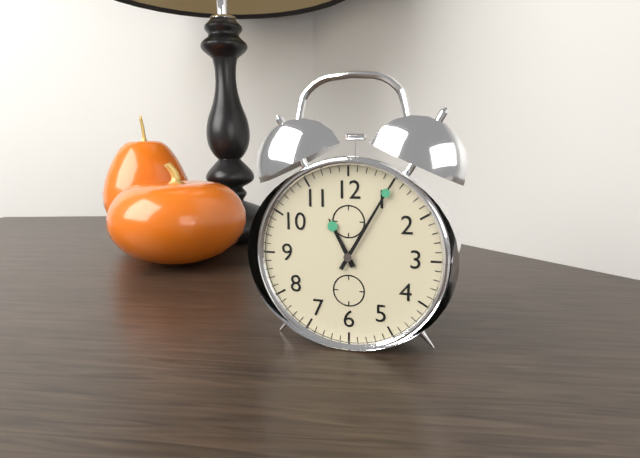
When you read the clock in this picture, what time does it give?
11:05
